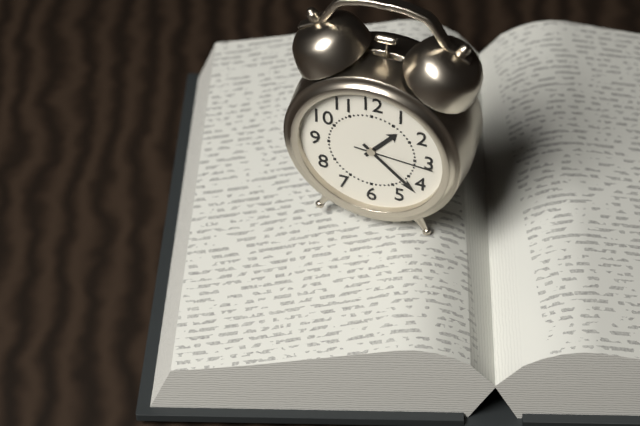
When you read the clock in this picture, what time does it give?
1:22:16
